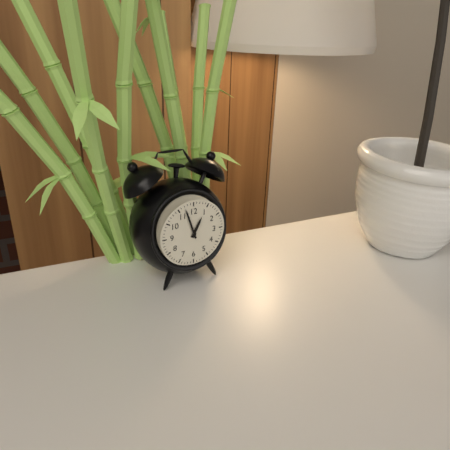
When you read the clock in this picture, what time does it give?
12:57
